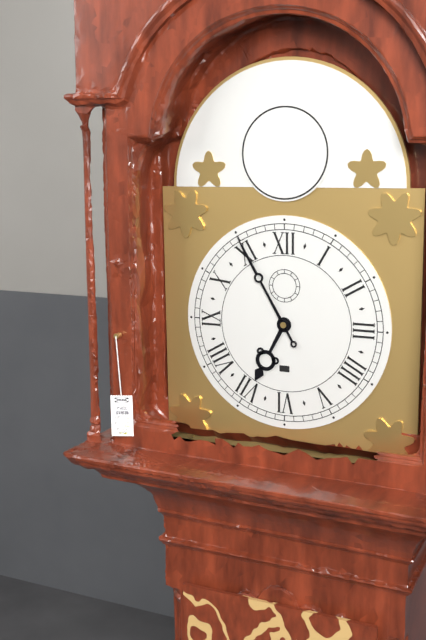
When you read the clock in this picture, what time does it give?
6:55
